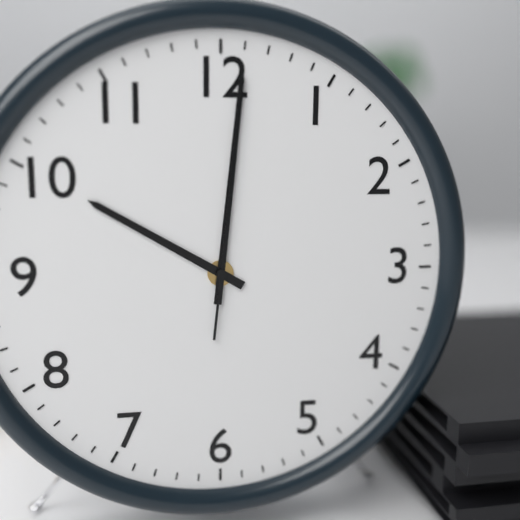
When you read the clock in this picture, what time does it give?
10:01:01
